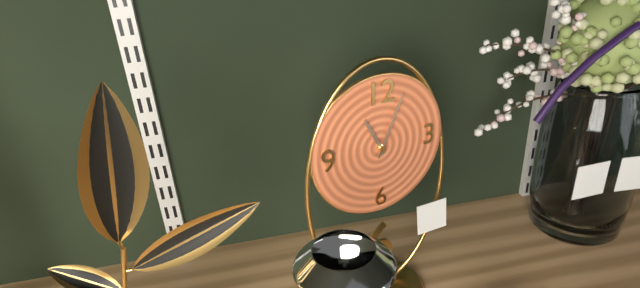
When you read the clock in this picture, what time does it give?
11:04
